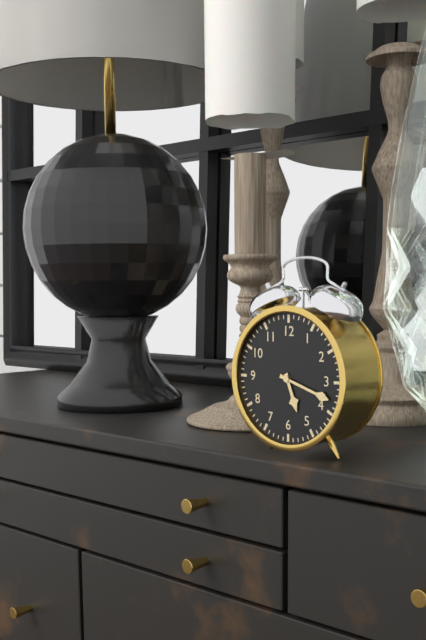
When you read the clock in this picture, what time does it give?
5:18
